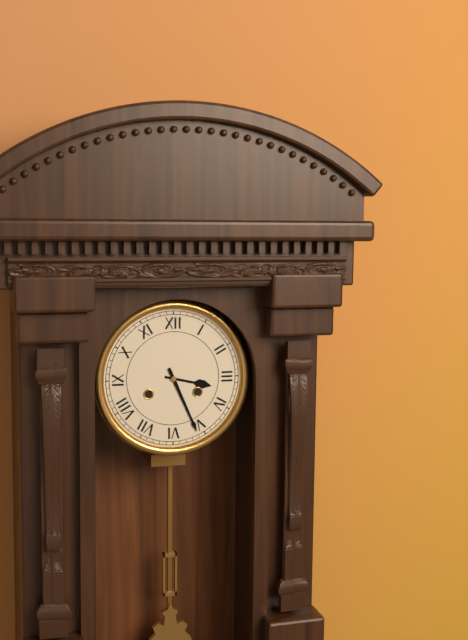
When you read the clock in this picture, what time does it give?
3:26
